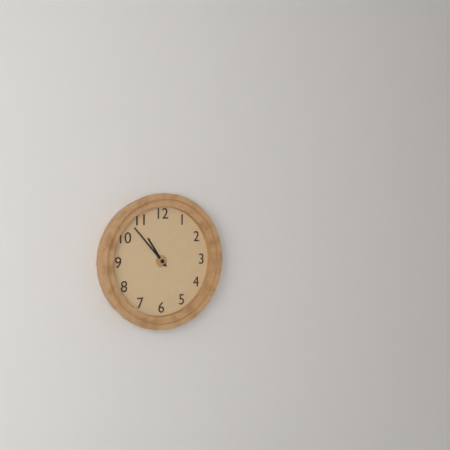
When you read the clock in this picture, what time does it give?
10:53
